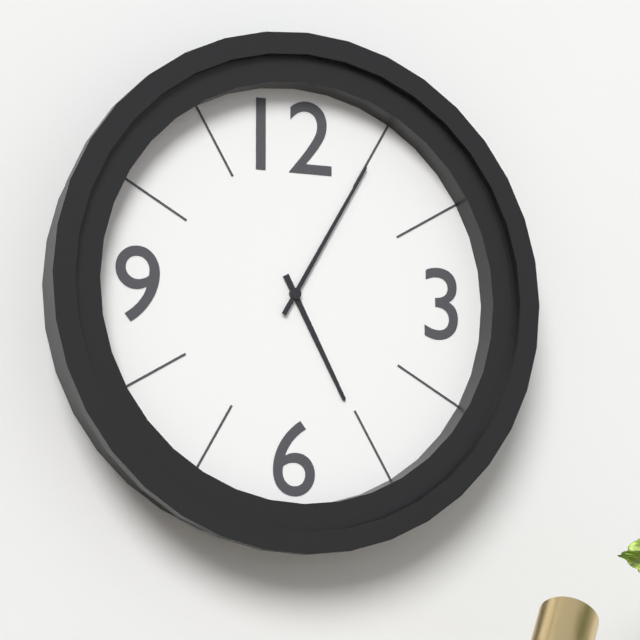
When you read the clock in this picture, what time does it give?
5:05
